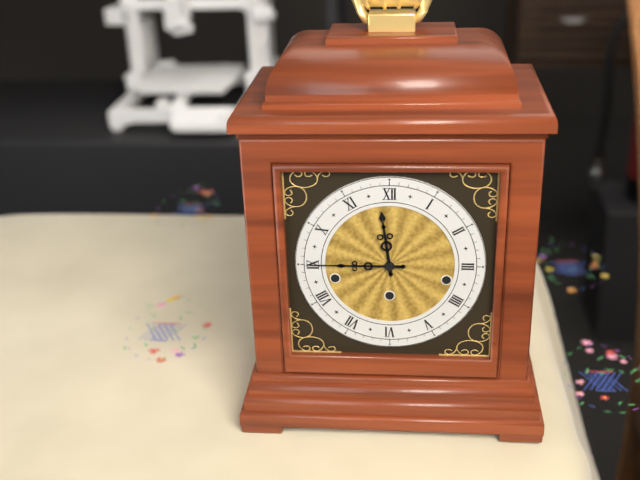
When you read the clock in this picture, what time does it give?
11:45
